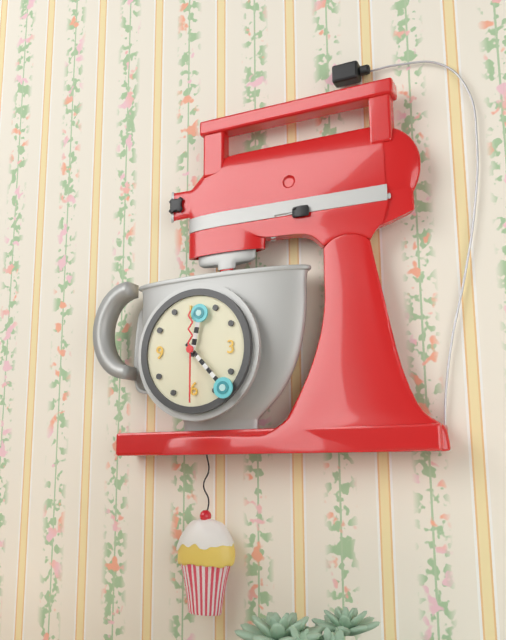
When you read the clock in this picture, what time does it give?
12:23:30
